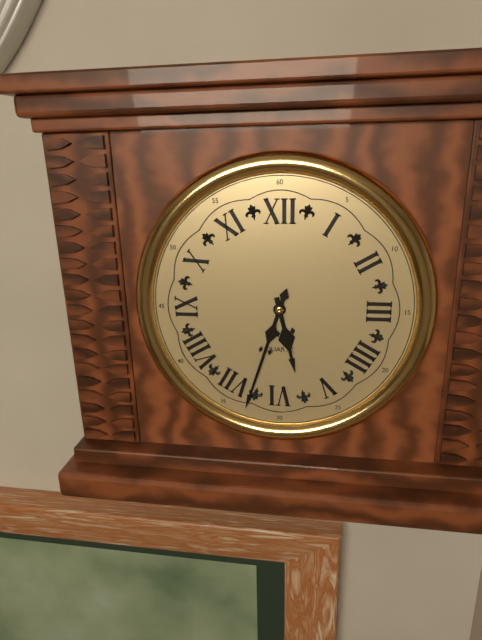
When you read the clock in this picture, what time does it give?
5:33
